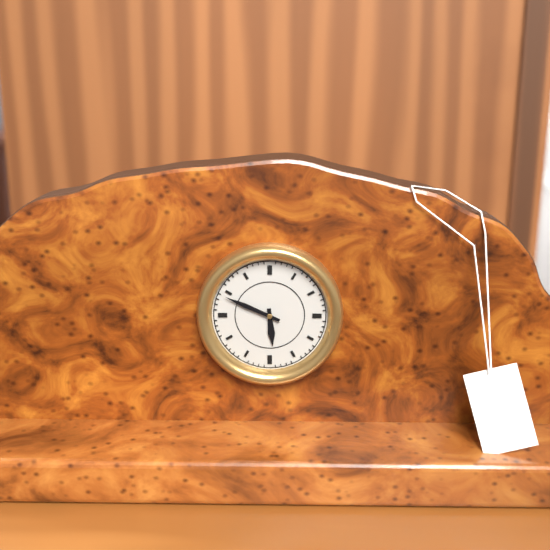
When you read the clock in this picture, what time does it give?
5:49
